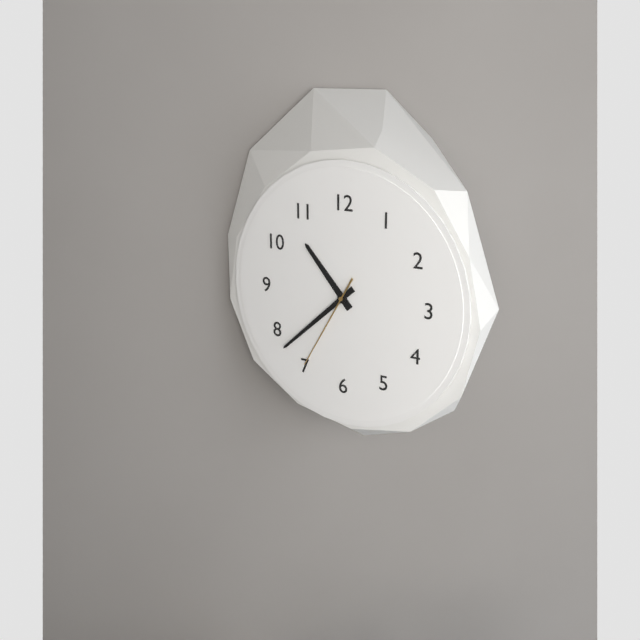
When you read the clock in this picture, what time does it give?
10:38:35
